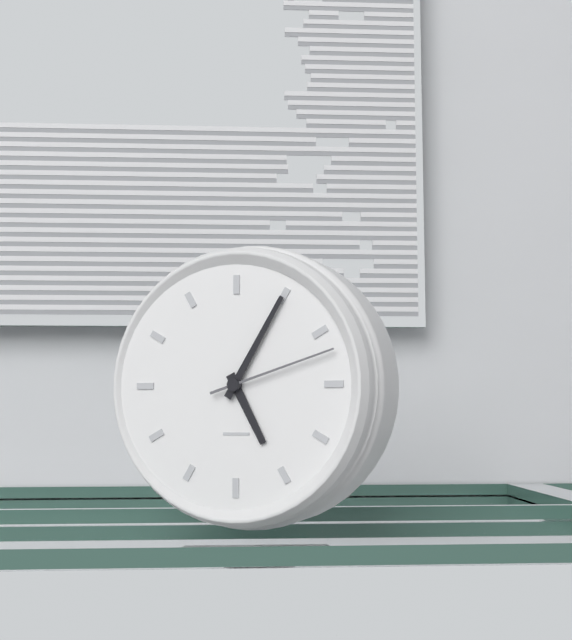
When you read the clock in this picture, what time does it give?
5:05:12
